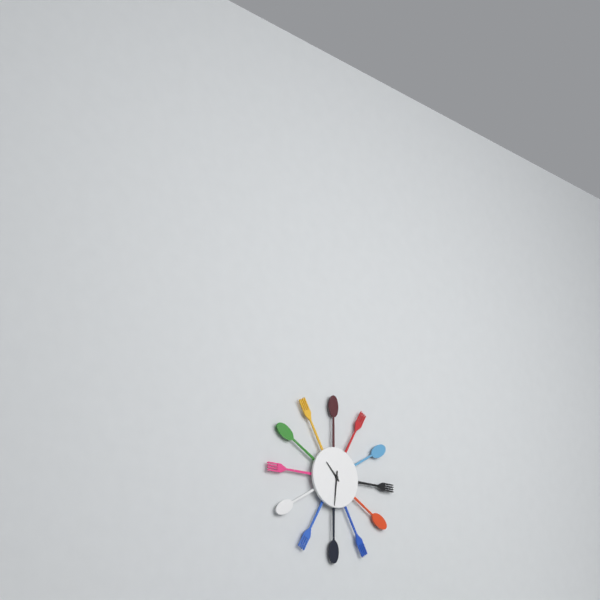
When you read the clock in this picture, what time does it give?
10:31
